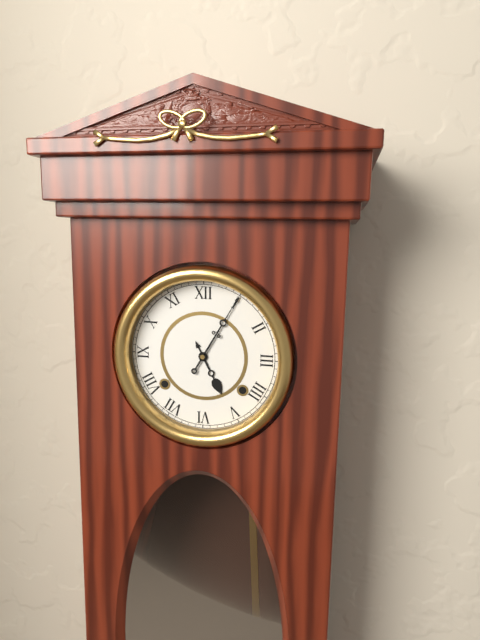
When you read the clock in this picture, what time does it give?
5:05
